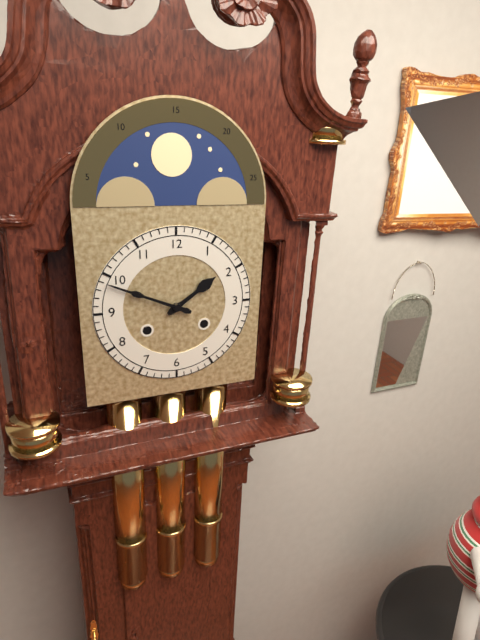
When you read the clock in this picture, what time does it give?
1:49
